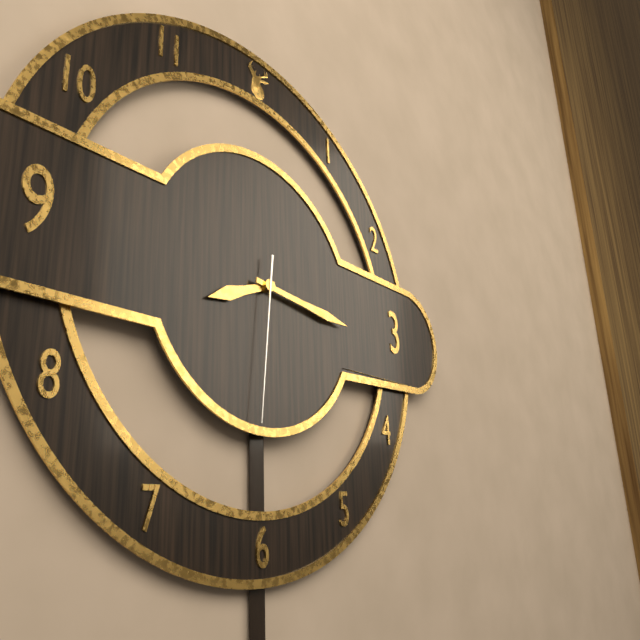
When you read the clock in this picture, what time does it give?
8:16:31
